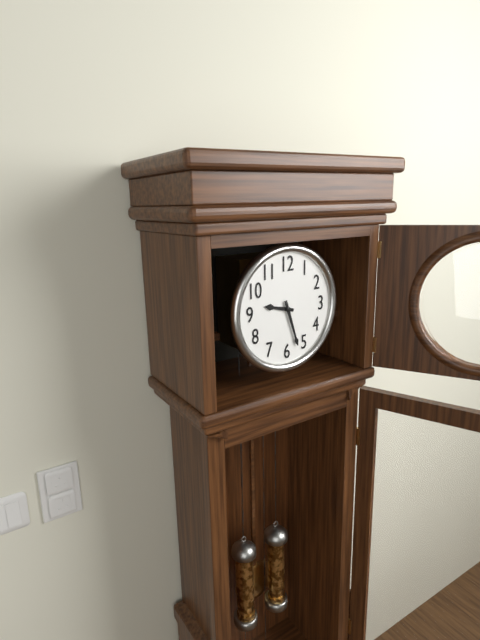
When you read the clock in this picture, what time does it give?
9:27
